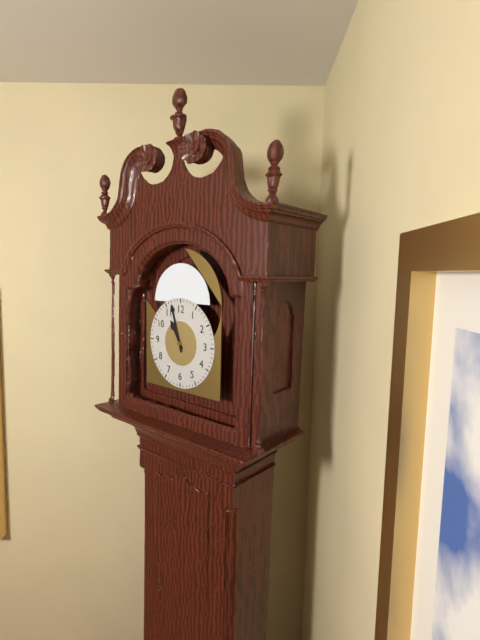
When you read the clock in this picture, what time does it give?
10:57
